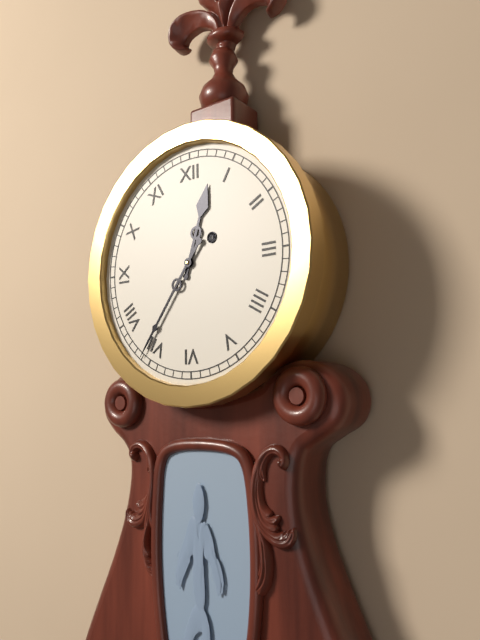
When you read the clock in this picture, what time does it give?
12:36
